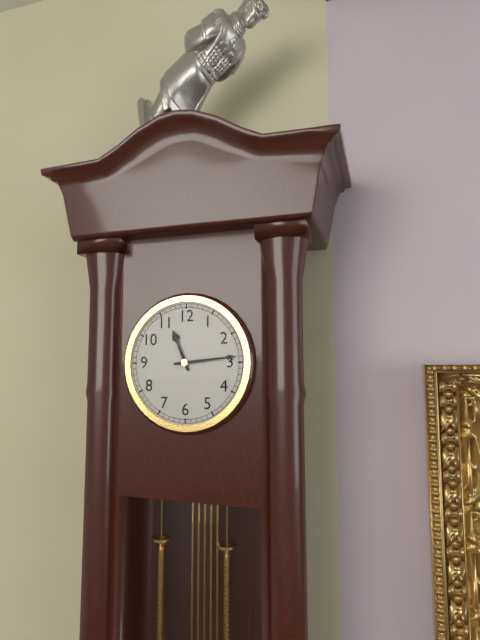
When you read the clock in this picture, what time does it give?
11:14
